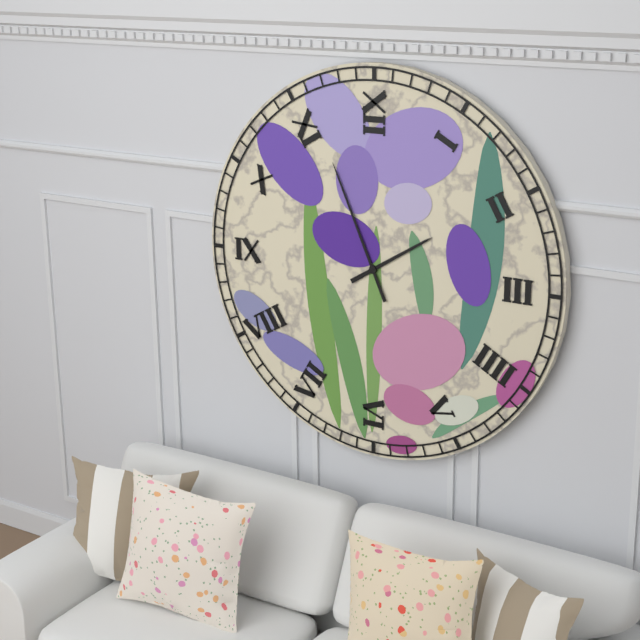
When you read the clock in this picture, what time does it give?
1:56
